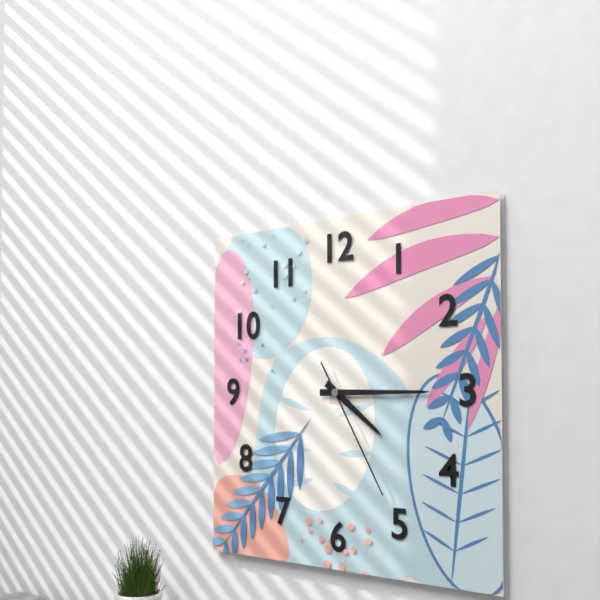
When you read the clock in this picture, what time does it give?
4:15:25
